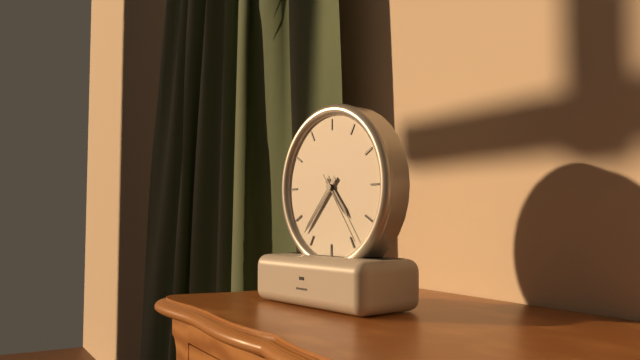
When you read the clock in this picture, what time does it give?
4:37:24
